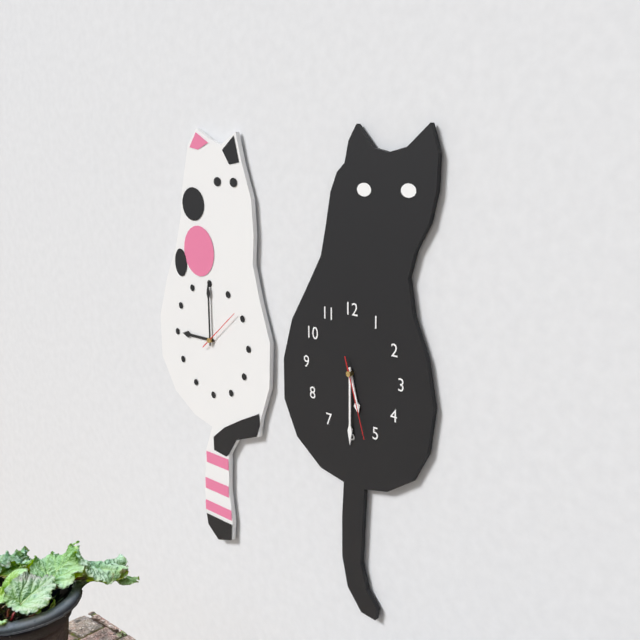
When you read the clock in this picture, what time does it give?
5:30:27
